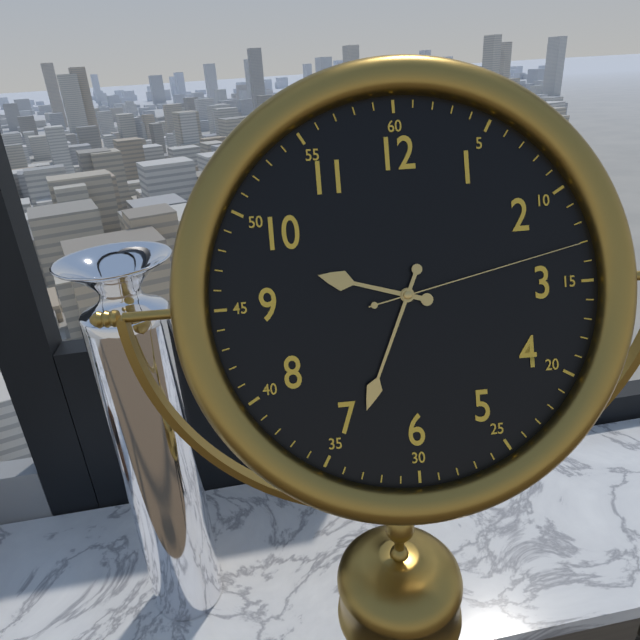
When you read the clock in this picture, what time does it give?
9:34:13
